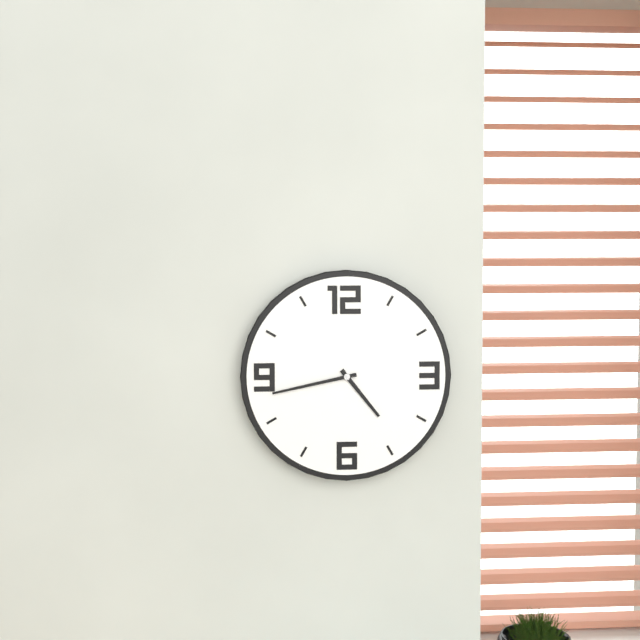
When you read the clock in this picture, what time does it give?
4:43
